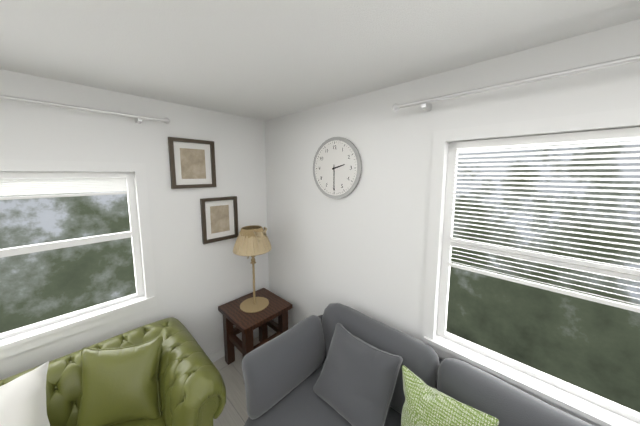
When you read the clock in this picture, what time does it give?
2:30
